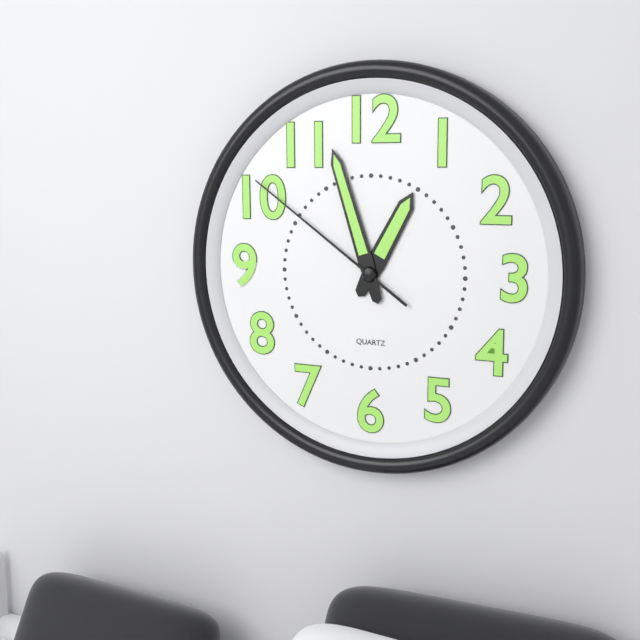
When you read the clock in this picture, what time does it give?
12:57:51
